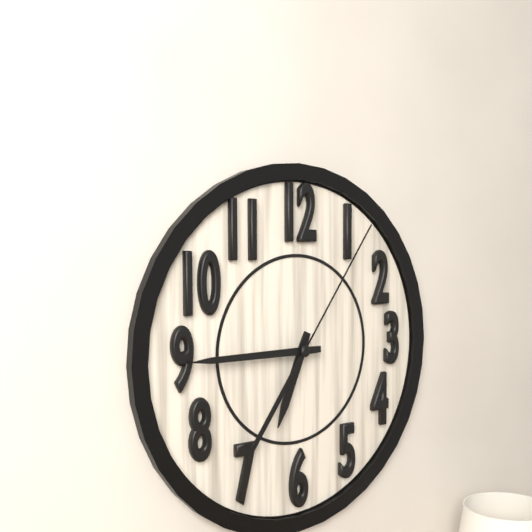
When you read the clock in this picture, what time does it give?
6:45:06
